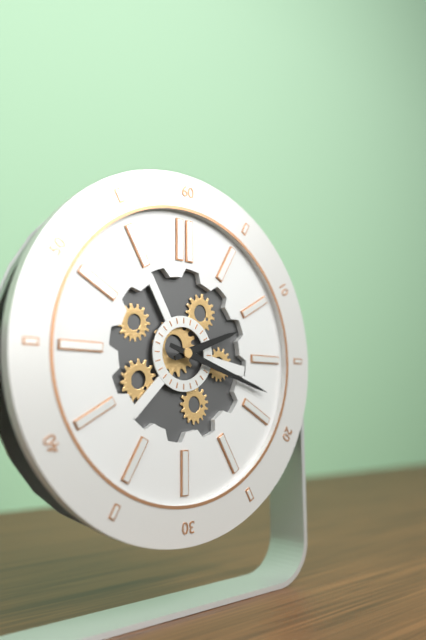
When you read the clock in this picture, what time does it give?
2:18
